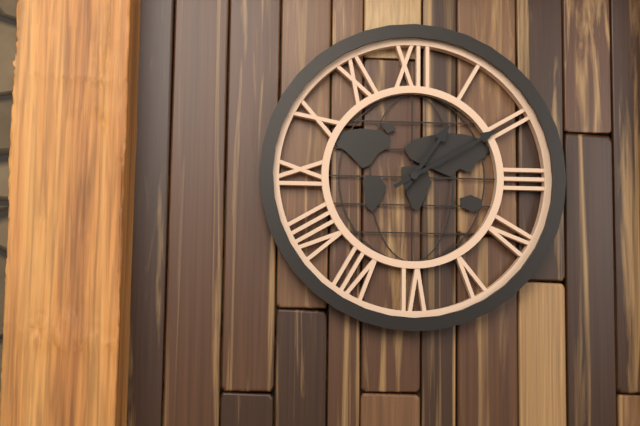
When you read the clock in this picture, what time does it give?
1:10
